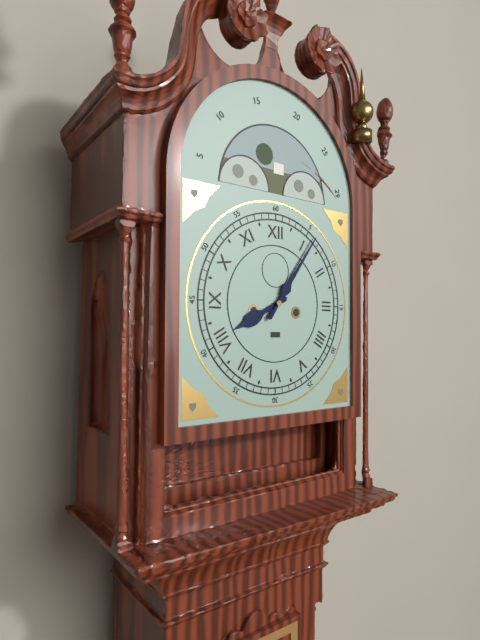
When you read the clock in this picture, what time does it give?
8:06
